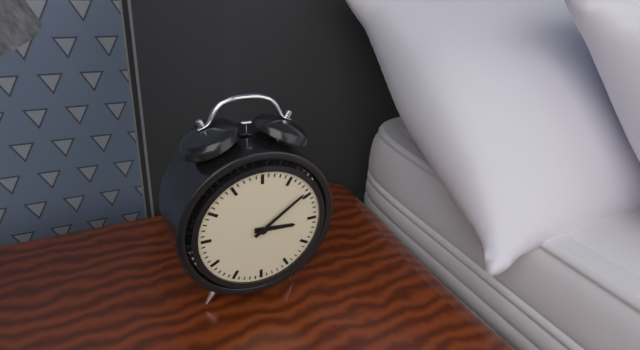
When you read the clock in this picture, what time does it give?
3:09
